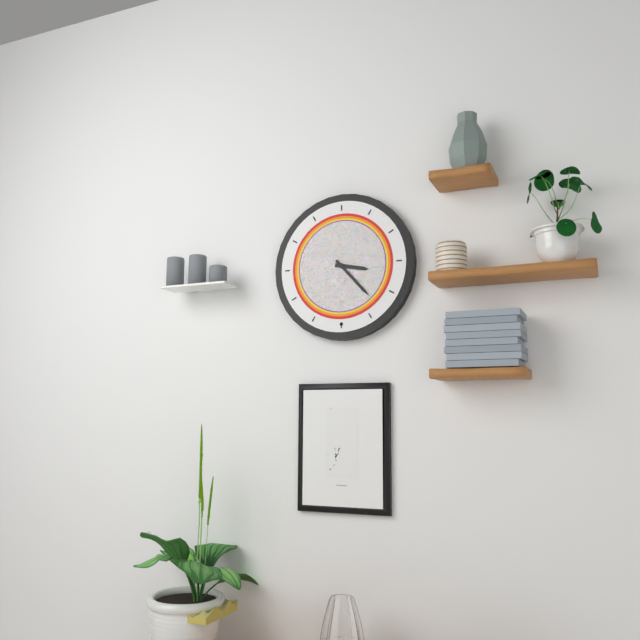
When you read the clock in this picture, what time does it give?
3:23
